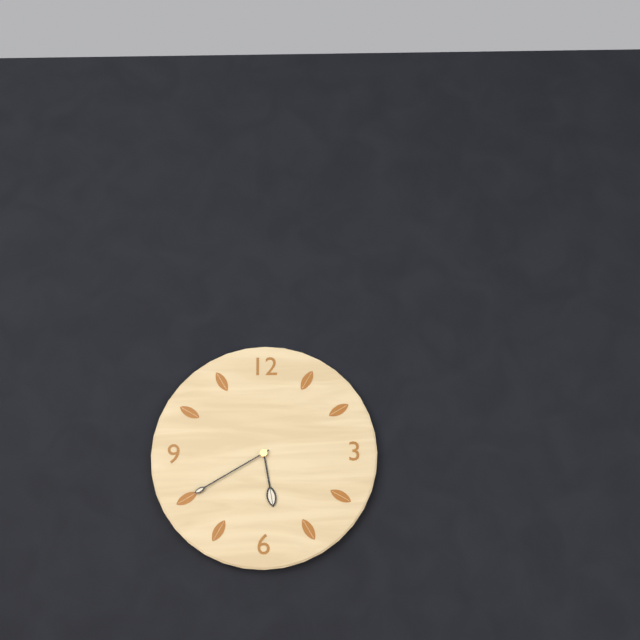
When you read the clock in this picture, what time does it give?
5:40
